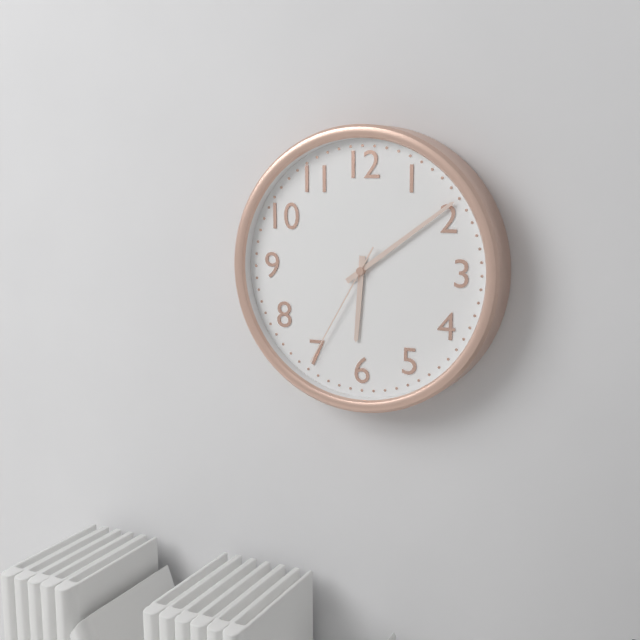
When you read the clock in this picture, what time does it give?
6:09:35
